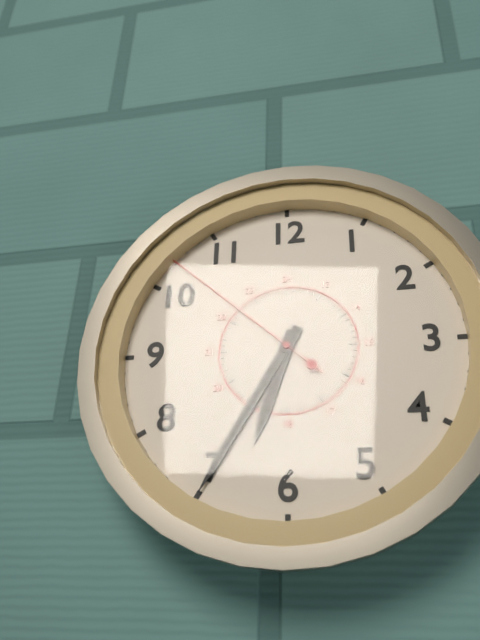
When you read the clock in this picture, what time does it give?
6:35:52
